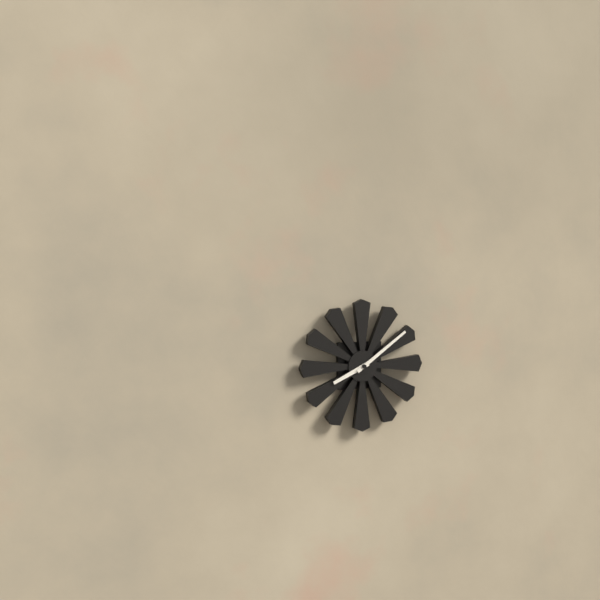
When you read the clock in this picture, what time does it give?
8:09
